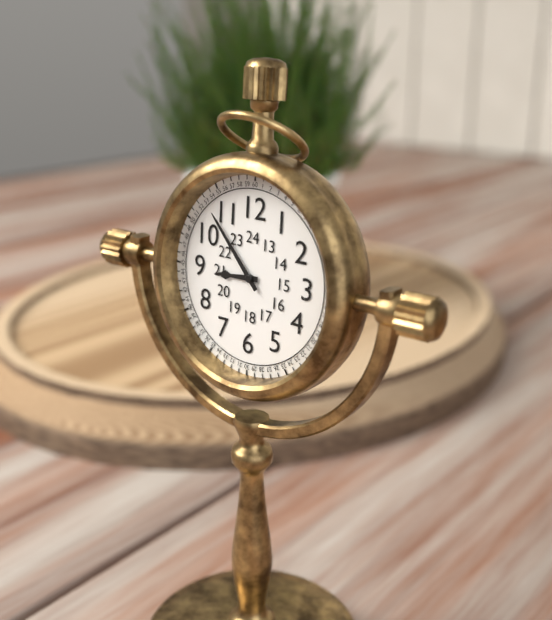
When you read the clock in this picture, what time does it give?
8:53
